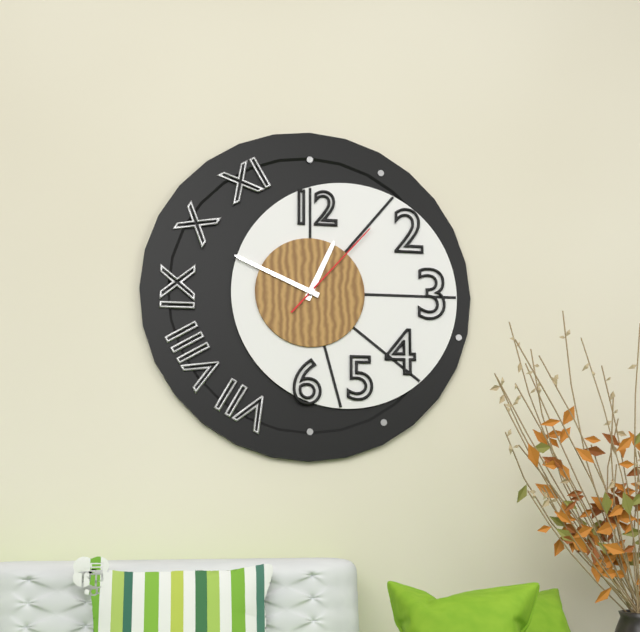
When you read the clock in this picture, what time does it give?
12:49:07
